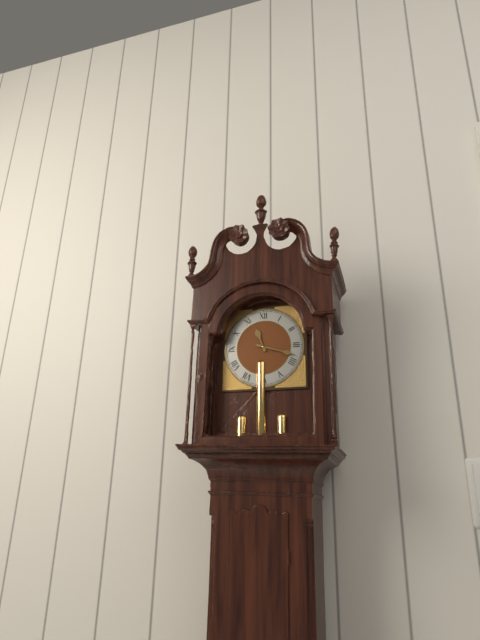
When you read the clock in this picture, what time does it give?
11:18
